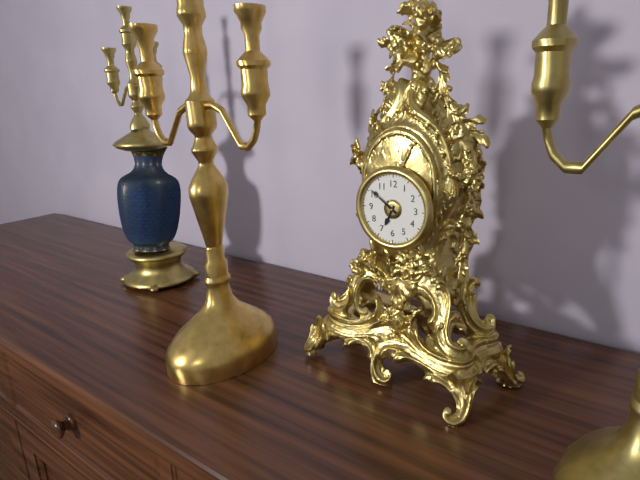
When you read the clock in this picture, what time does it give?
6:51
